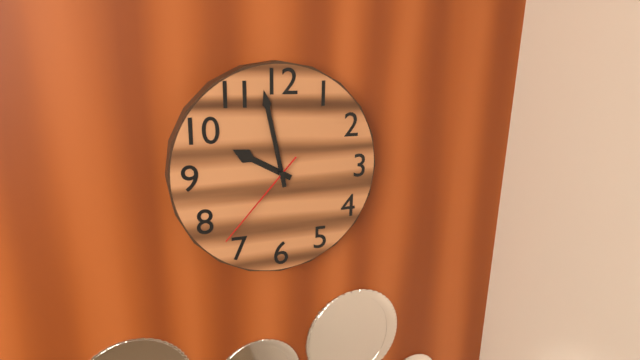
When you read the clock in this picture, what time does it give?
9:58:37
